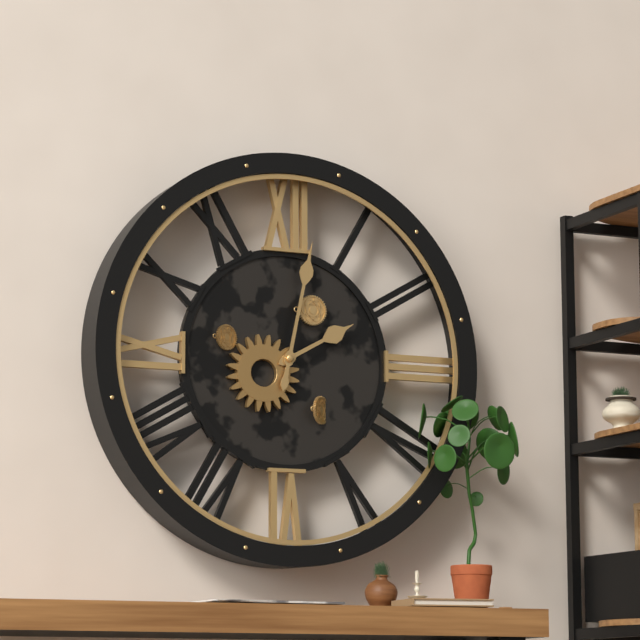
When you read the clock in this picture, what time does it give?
2:02
